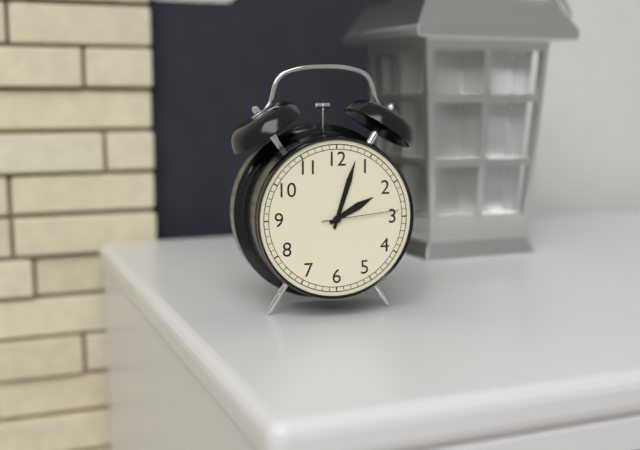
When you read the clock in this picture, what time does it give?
2:03:14
